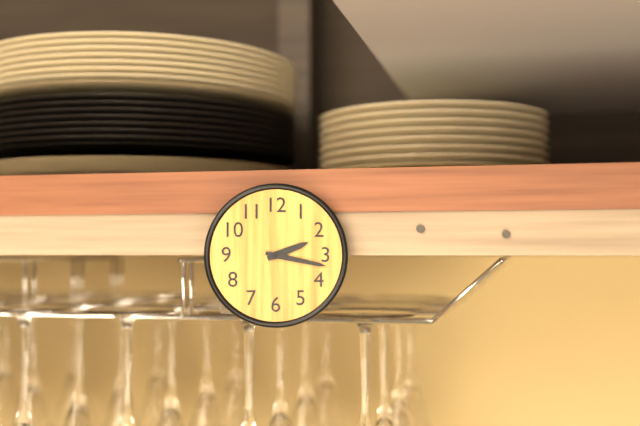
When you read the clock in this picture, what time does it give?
2:17
